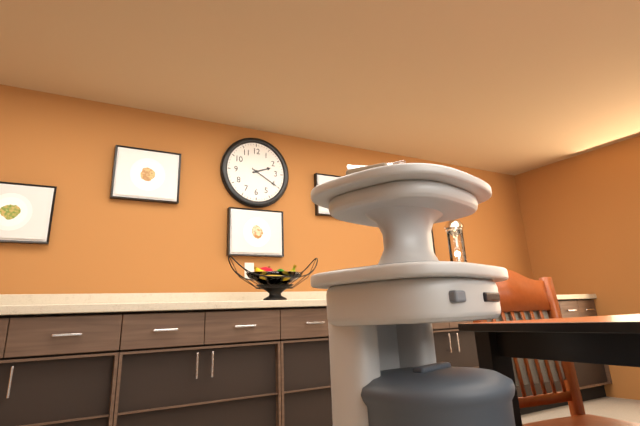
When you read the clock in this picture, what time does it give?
2:20
